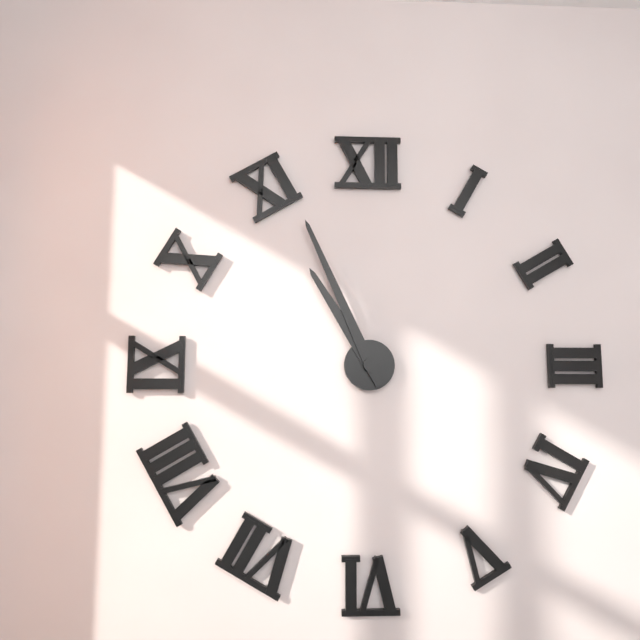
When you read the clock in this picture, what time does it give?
10:56
